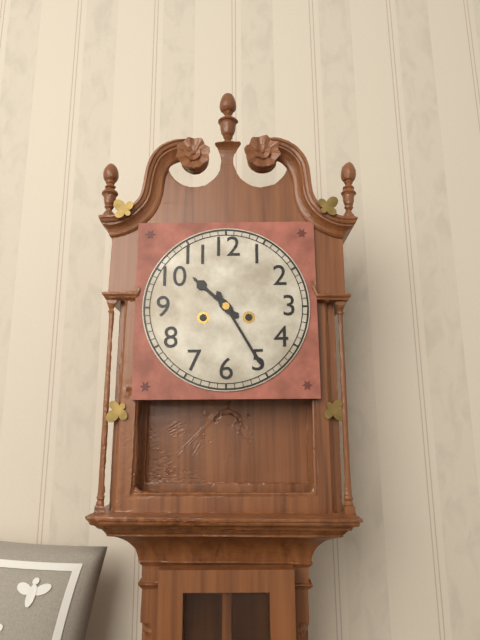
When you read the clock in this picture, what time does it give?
10:25
